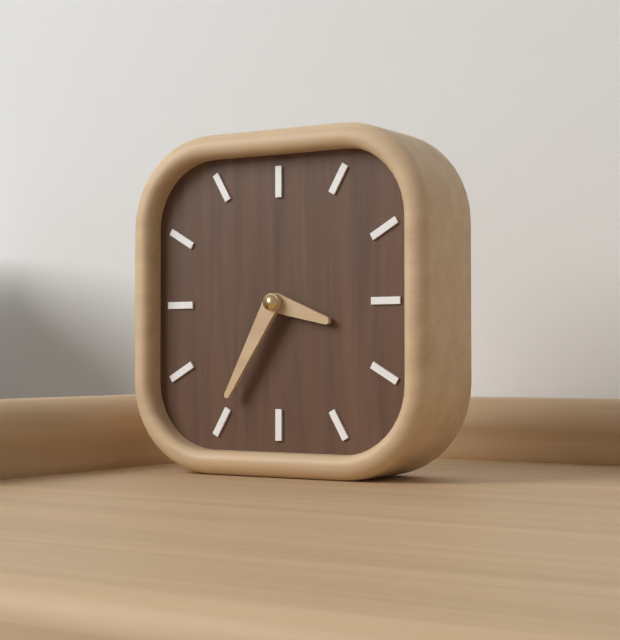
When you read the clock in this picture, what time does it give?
3:35
